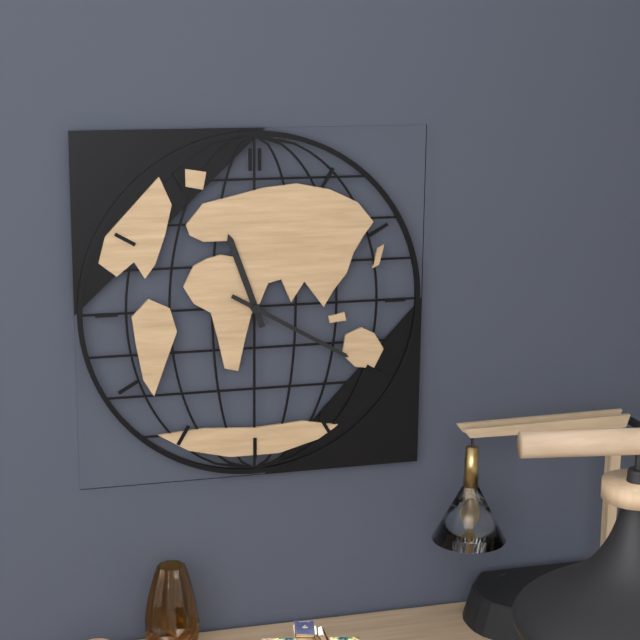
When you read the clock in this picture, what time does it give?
11:20
